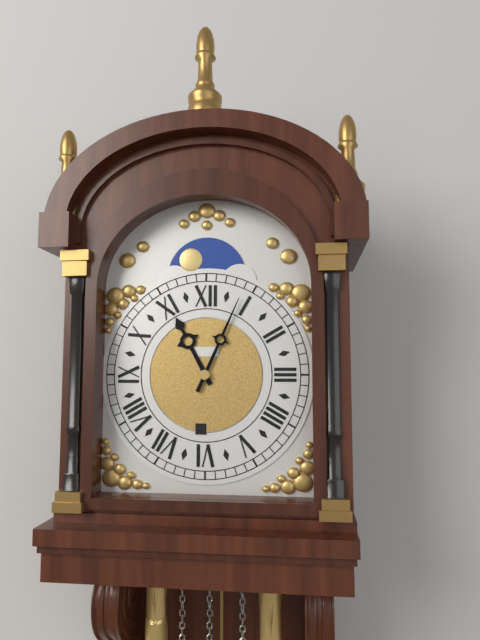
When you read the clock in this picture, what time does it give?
11:04
